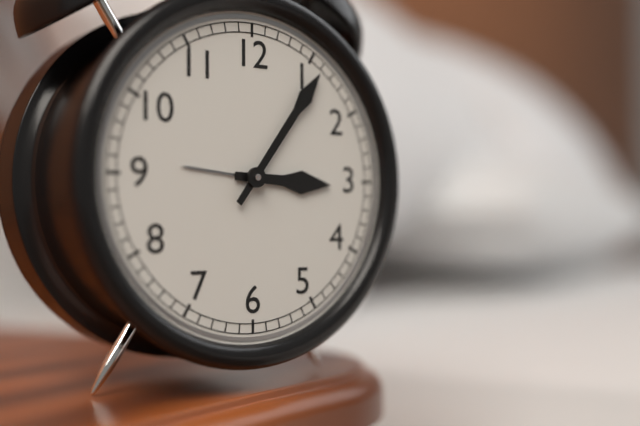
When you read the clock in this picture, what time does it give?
3:06
